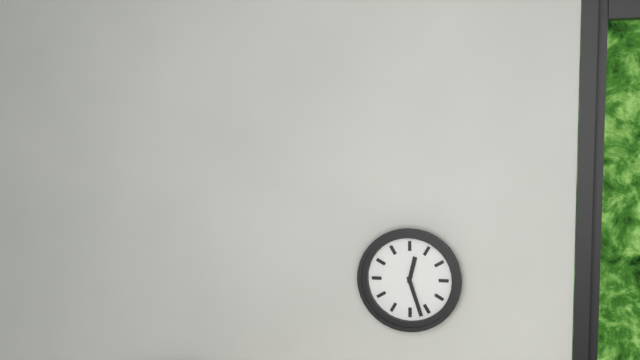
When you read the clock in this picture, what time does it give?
12:27
